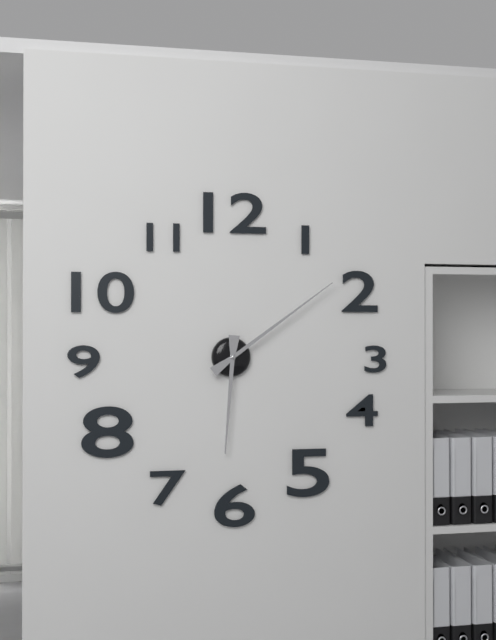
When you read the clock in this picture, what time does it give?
6:09
